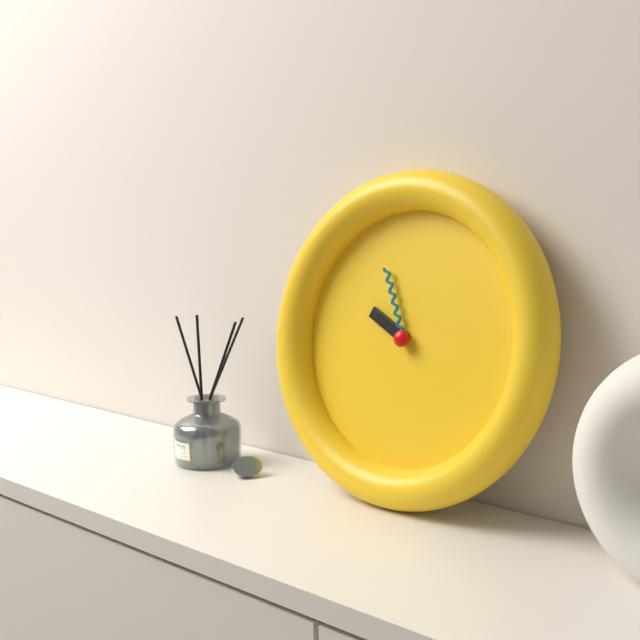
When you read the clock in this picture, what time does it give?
9:56
